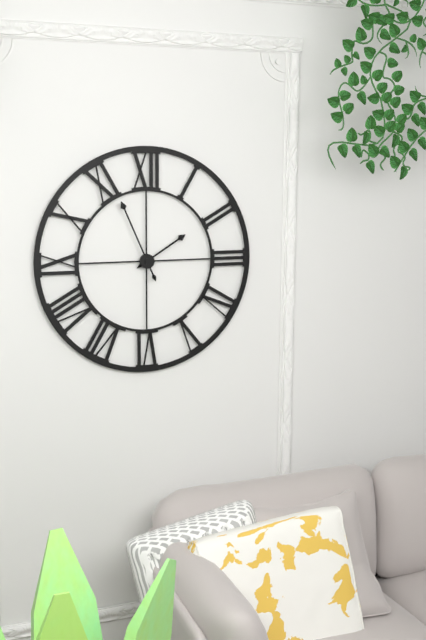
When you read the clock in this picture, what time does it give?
1:56
